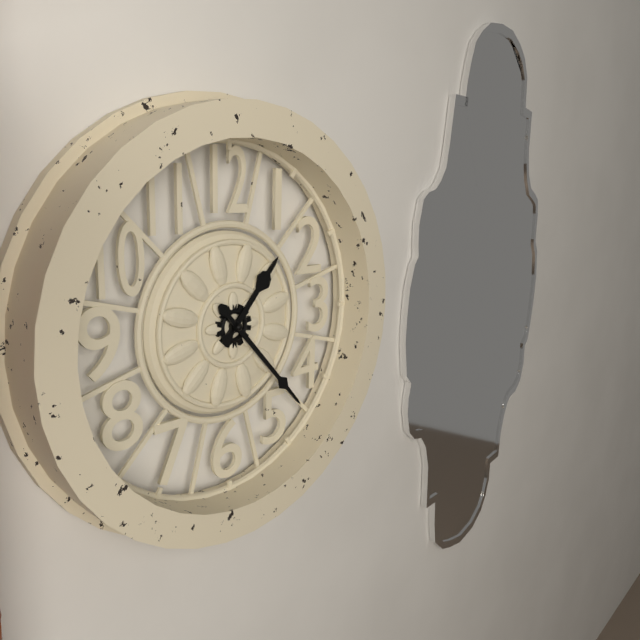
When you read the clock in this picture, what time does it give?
1:23
